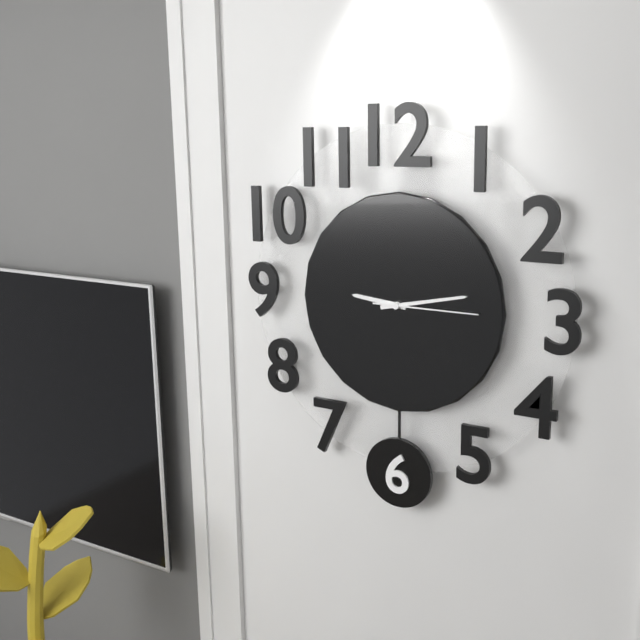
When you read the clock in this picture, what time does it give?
9:13:15
